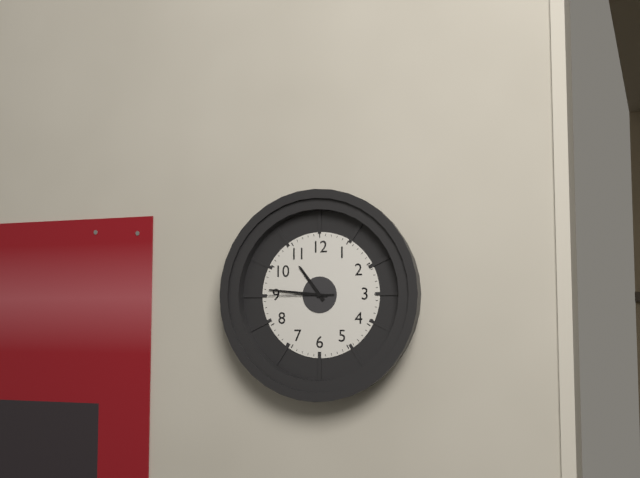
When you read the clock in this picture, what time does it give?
10:46:45
